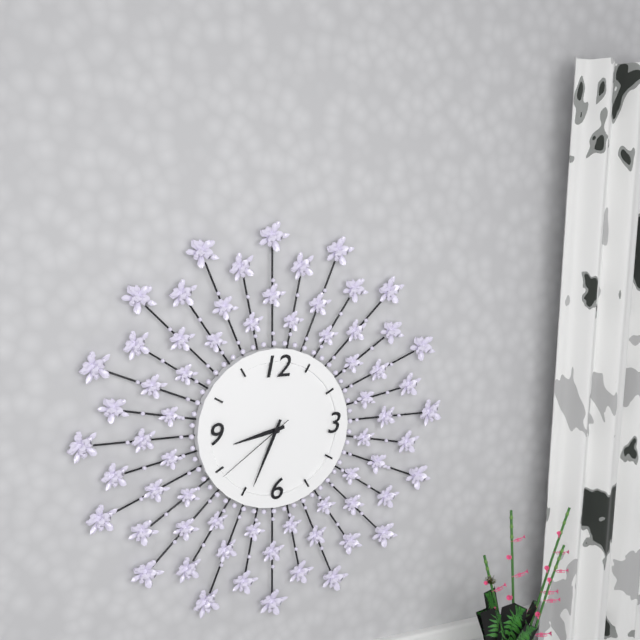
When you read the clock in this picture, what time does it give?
8:34:39
